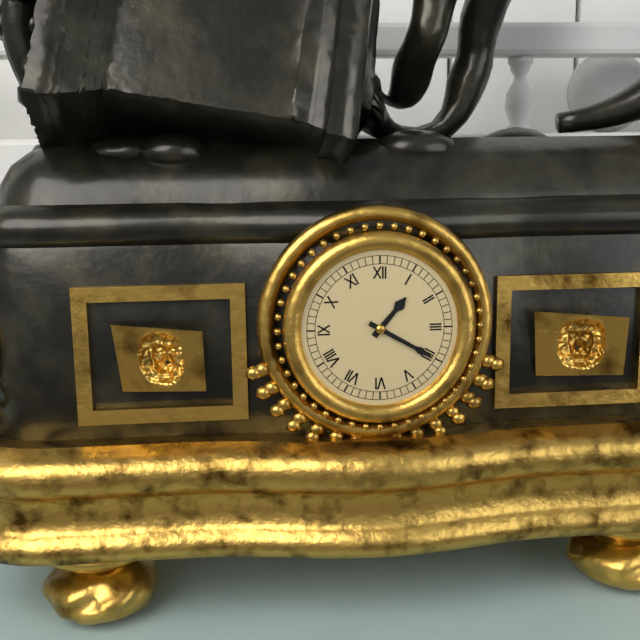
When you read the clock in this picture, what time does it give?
1:20
